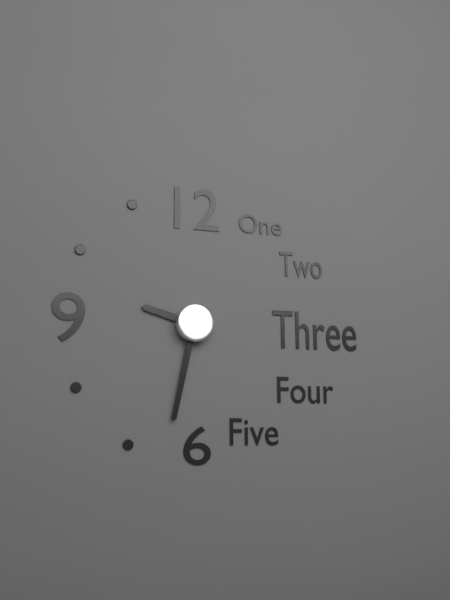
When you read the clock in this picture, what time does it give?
9:32
